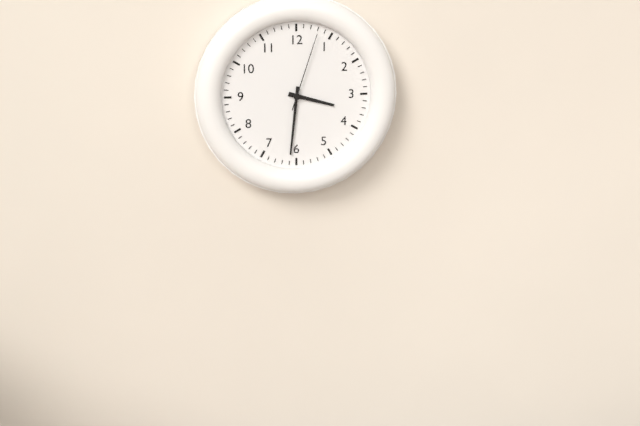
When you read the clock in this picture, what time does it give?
3:31:03
